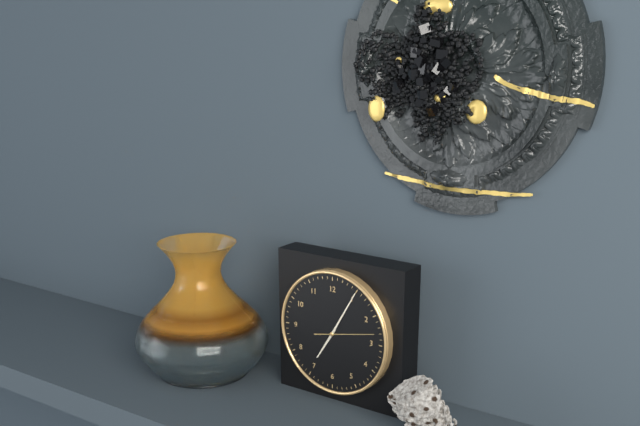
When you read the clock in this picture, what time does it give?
7:05:13
